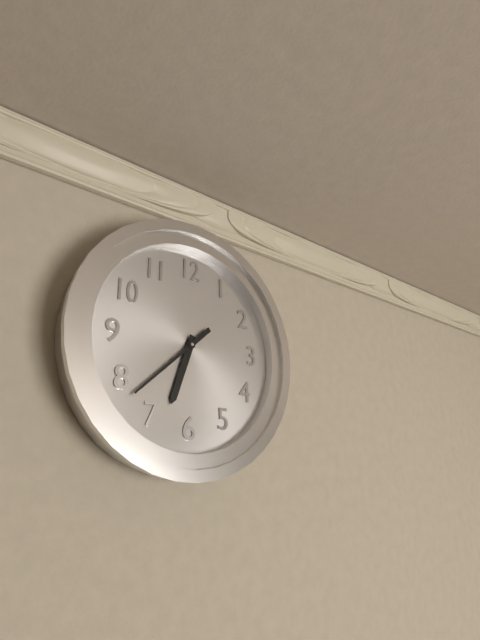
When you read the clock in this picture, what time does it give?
6:38
